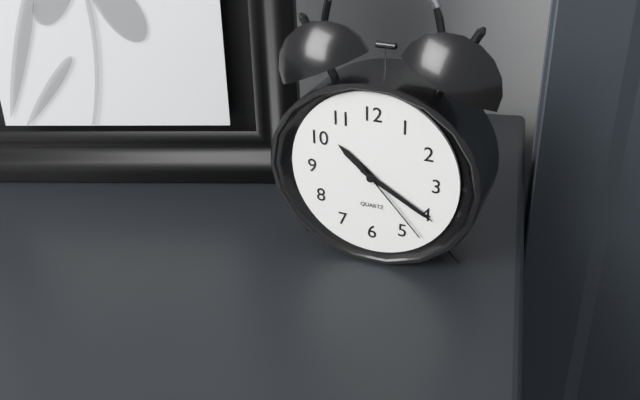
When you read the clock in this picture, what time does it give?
10:20:23
